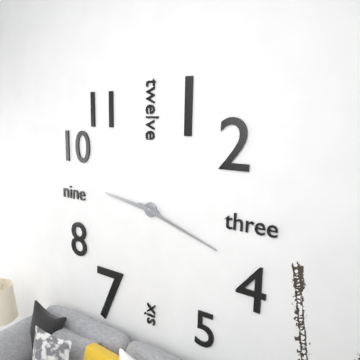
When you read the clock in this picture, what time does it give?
9:18
